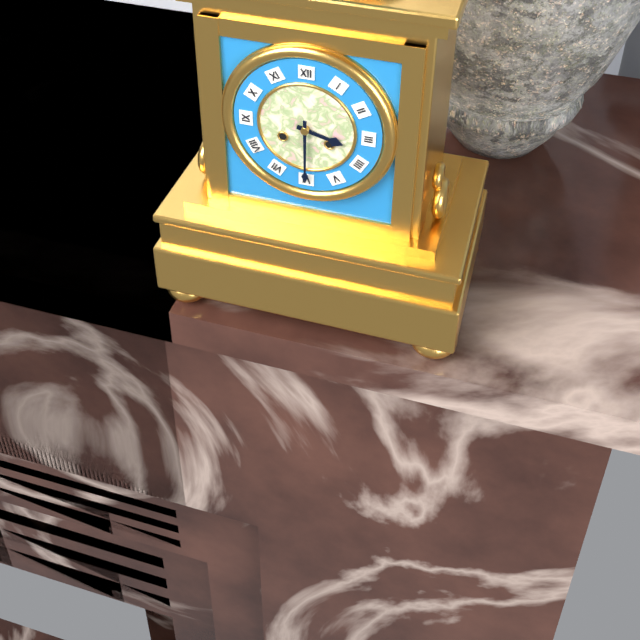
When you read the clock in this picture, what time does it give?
3:30
